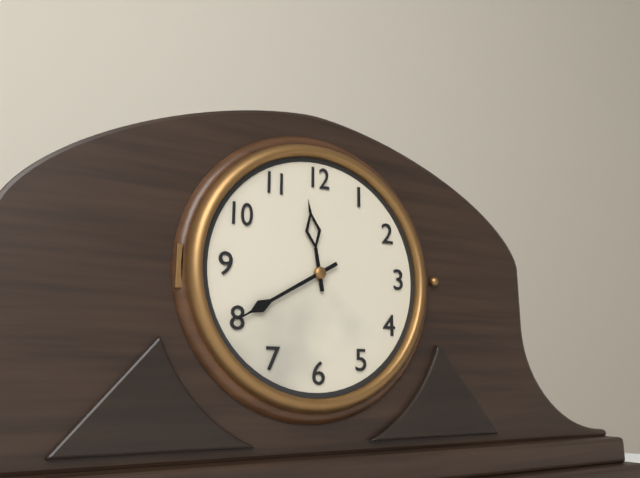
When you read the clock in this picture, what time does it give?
11:40
